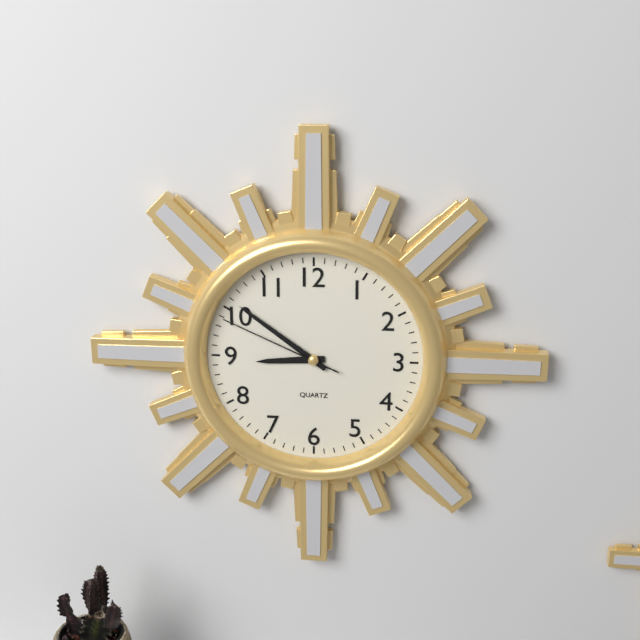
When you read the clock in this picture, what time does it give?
8:51:49
